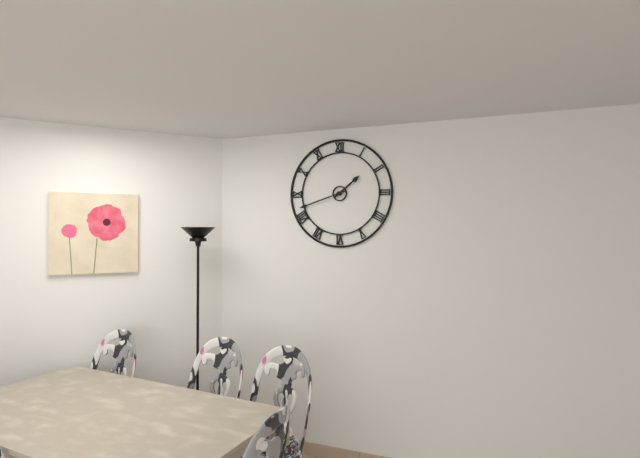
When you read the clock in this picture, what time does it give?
1:42
